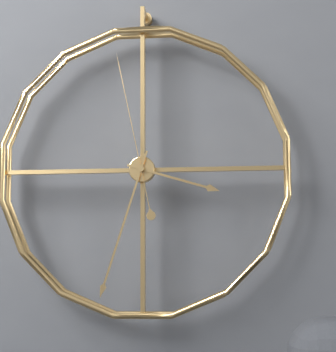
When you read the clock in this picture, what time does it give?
3:33:58
